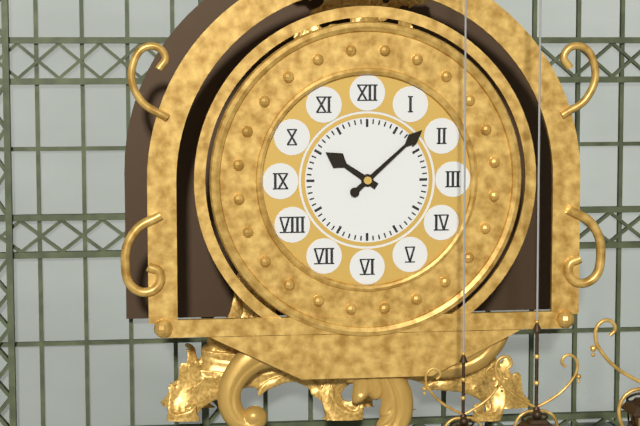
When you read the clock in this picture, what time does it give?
10:08
